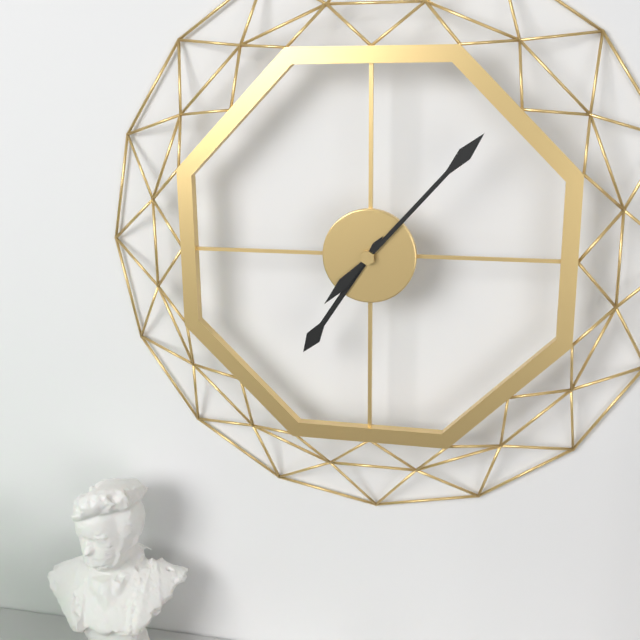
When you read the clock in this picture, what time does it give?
7:07
